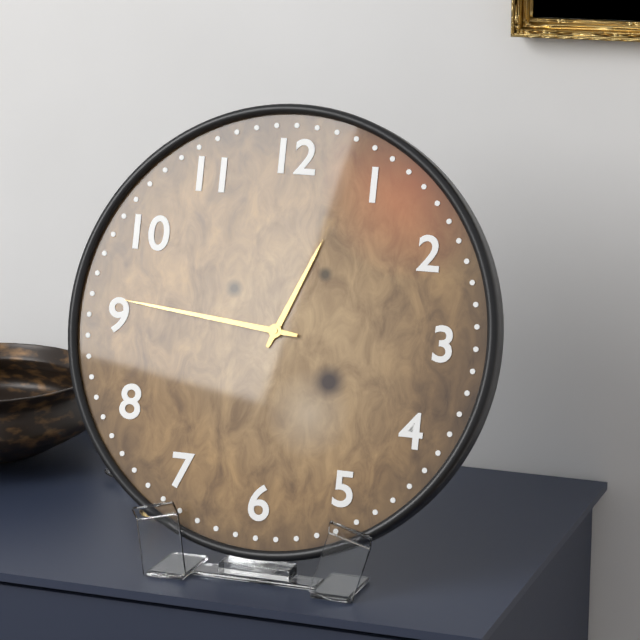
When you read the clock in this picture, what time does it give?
12:46
